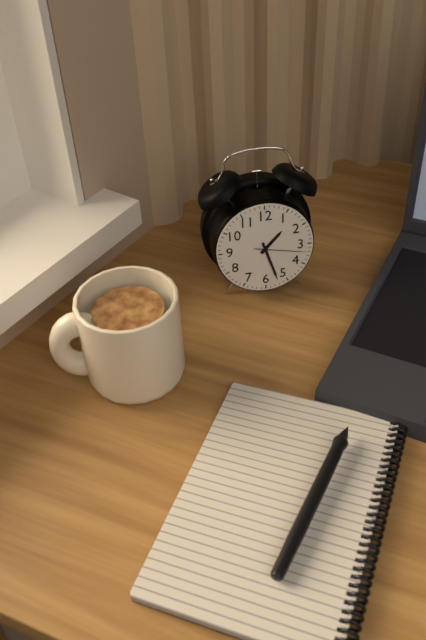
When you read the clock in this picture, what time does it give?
1:27:17
